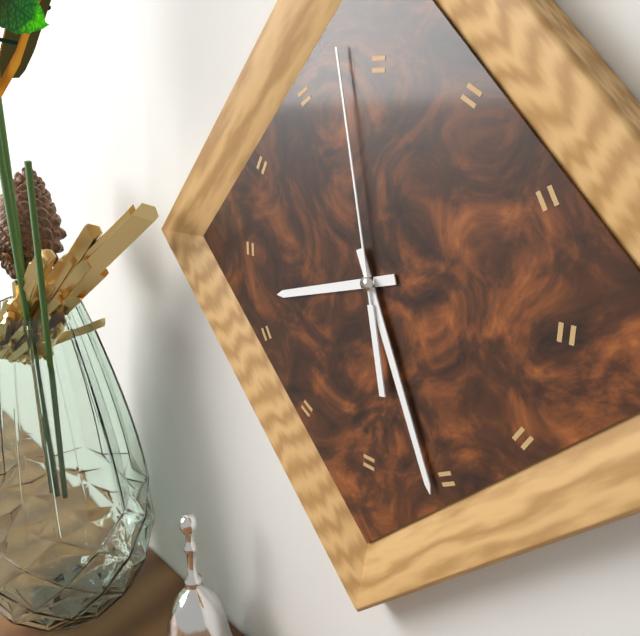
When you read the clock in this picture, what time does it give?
8:26:58
